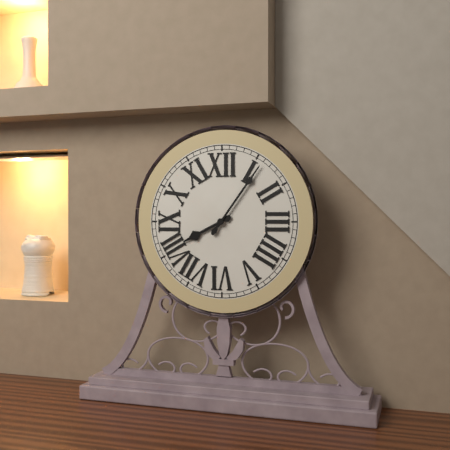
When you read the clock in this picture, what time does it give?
8:06
